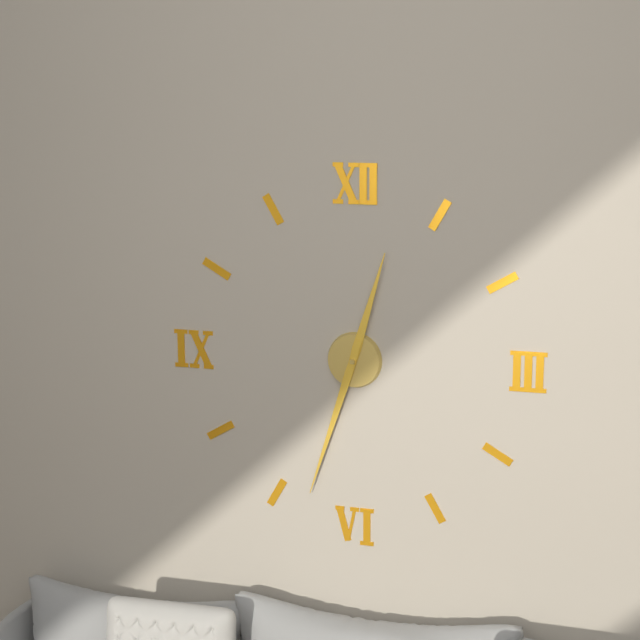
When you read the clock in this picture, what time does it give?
12:33
